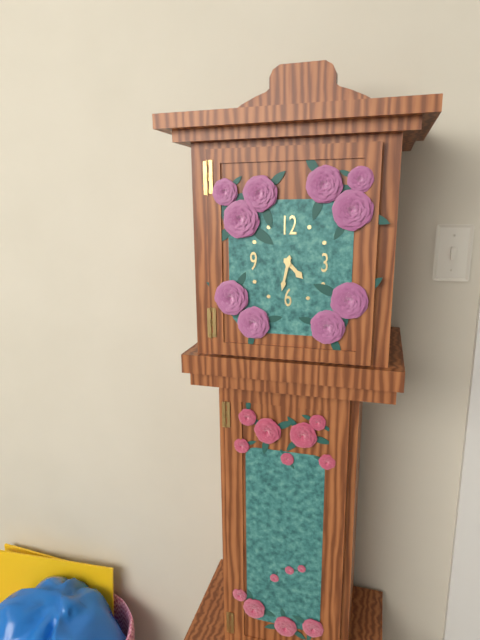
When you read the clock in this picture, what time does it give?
4:32
